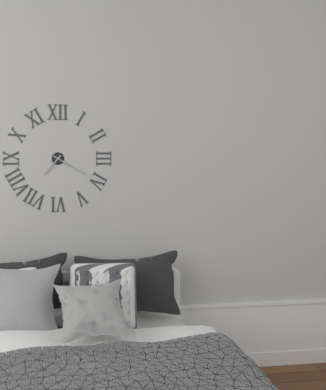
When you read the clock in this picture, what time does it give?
7:20
